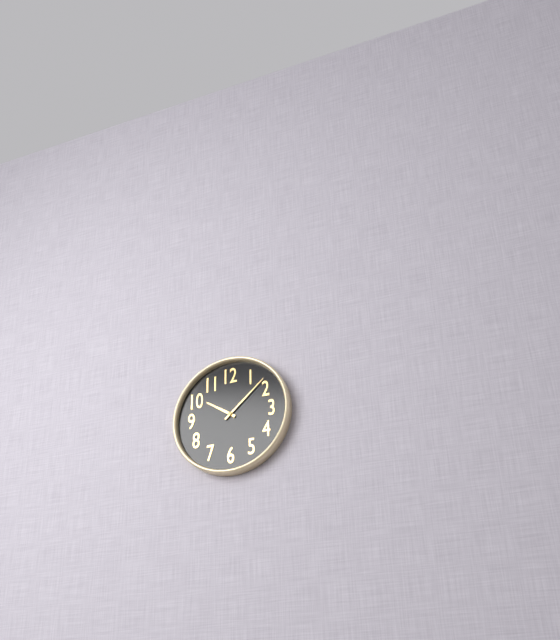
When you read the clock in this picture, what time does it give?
10:08
